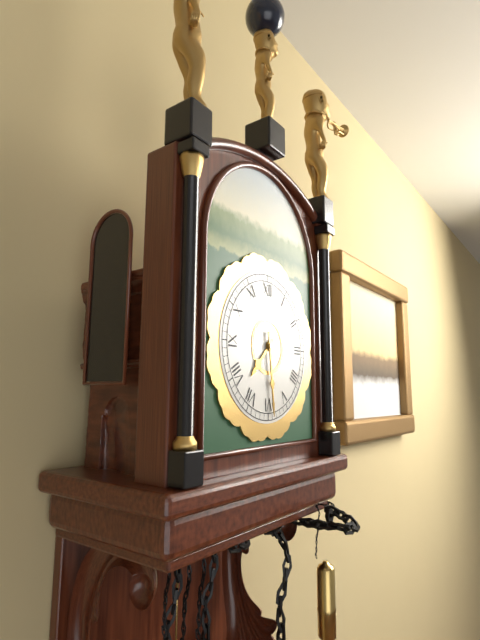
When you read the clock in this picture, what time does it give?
7:29
